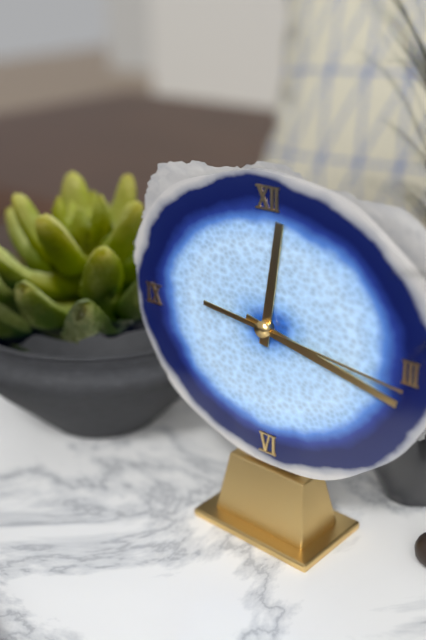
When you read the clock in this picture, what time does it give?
12:17:16
